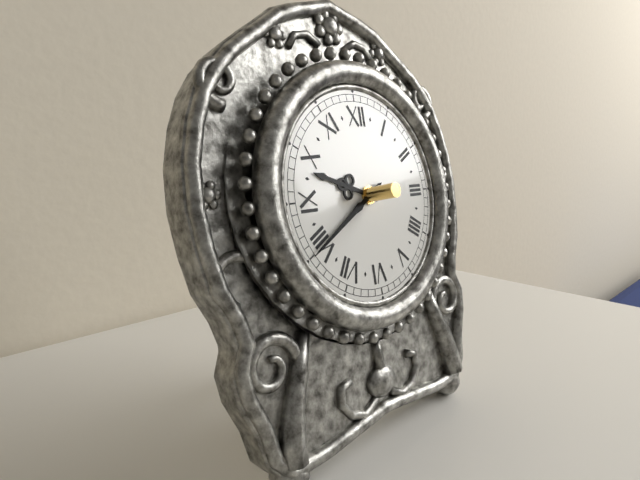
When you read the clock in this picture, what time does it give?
9:40
